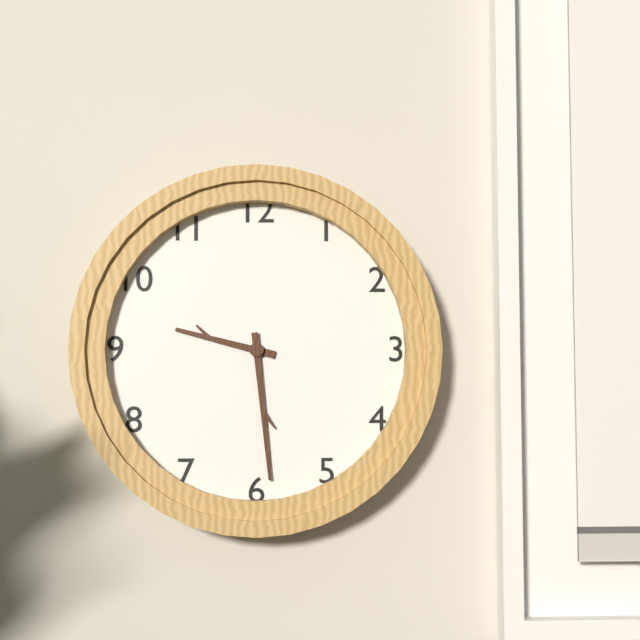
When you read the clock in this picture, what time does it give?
9:29
